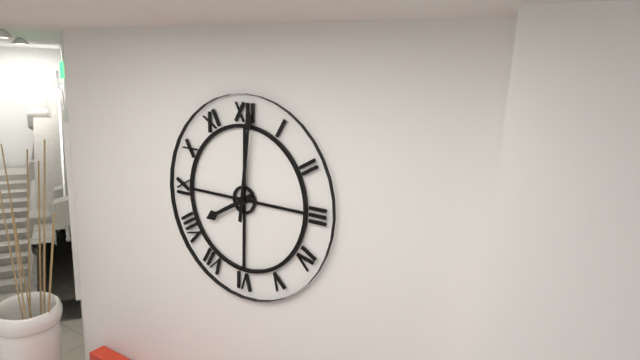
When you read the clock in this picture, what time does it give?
8:01
